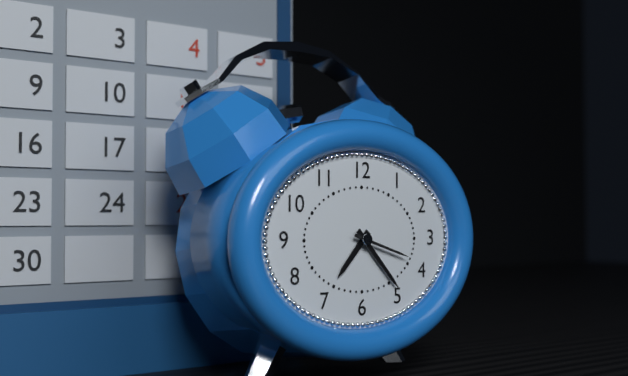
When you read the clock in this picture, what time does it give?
7:23:18
